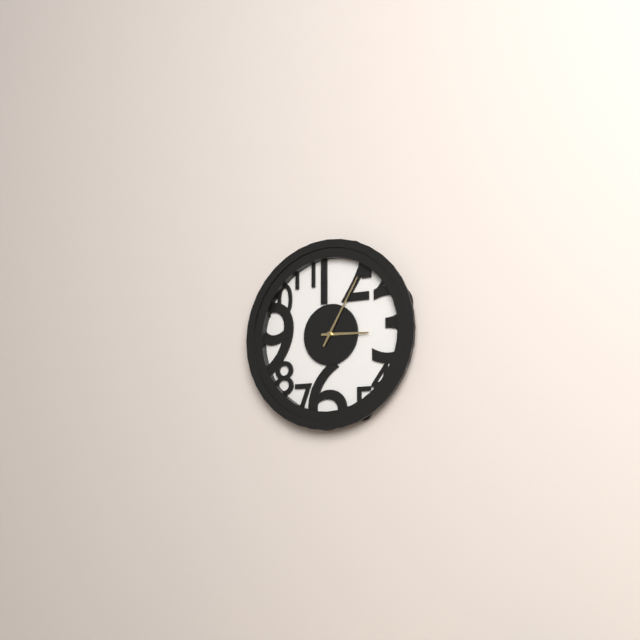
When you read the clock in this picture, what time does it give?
3:05
